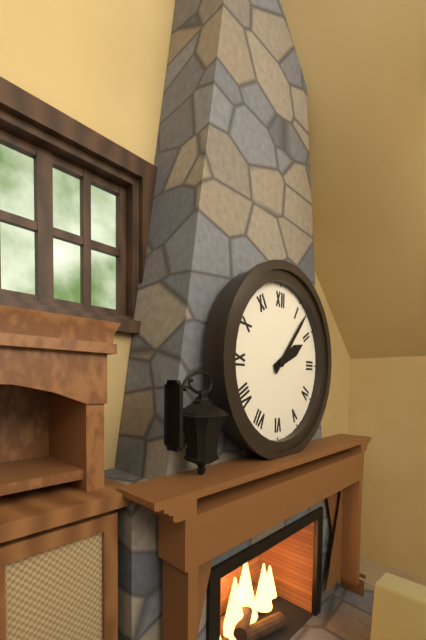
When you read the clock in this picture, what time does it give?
2:07
